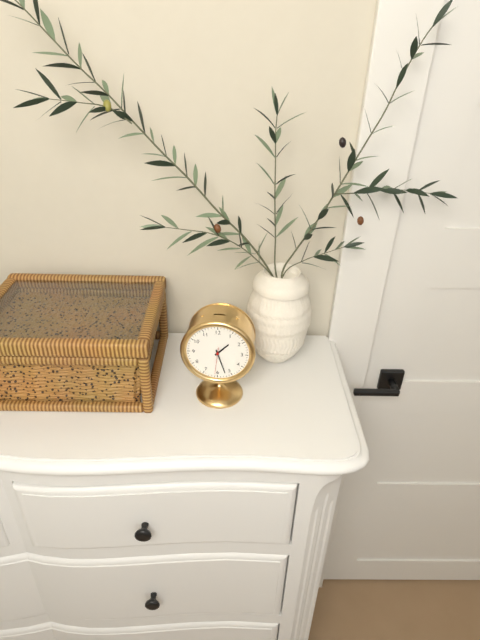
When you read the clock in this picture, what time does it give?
1:27
